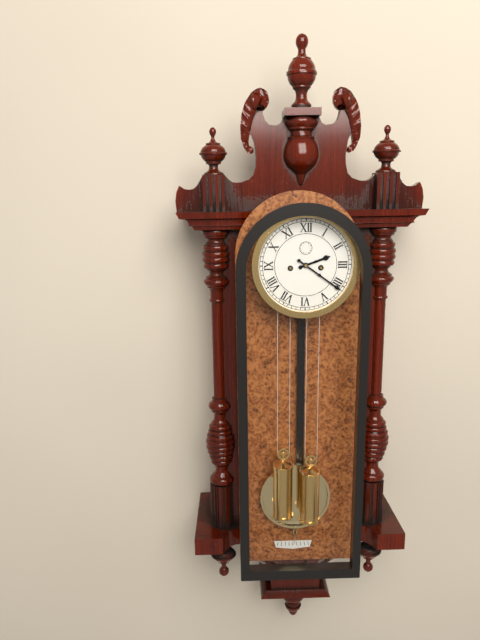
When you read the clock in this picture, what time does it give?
2:21
